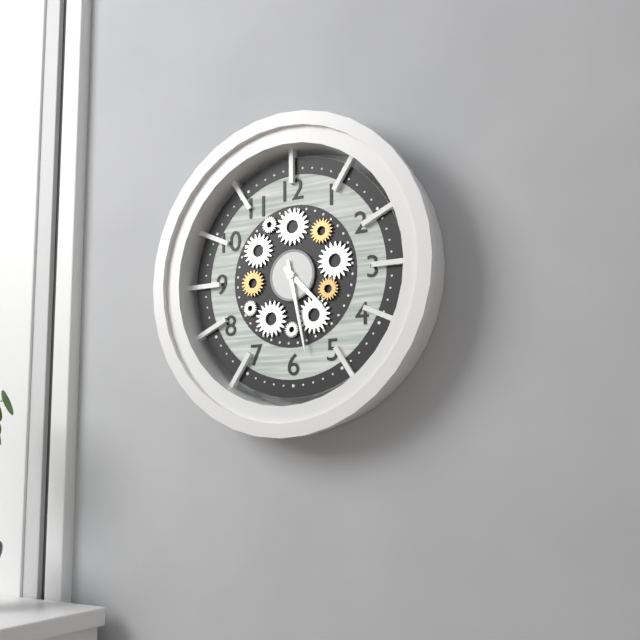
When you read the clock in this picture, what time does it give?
4:28
